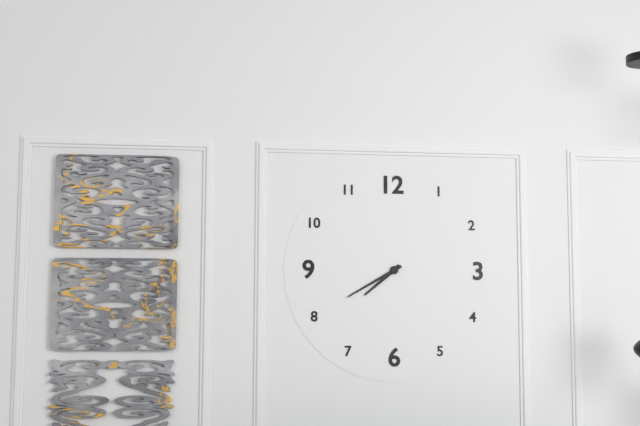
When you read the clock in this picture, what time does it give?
7:40
